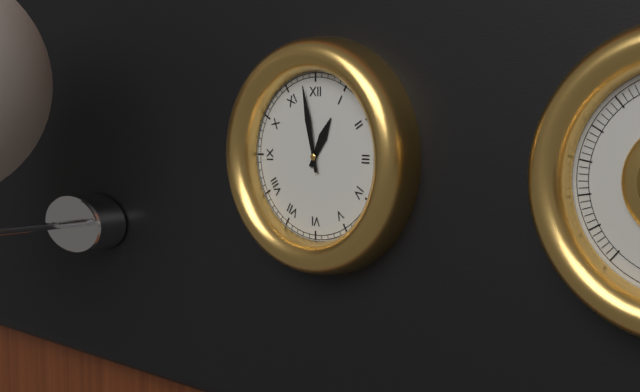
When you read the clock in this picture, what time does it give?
12:58
